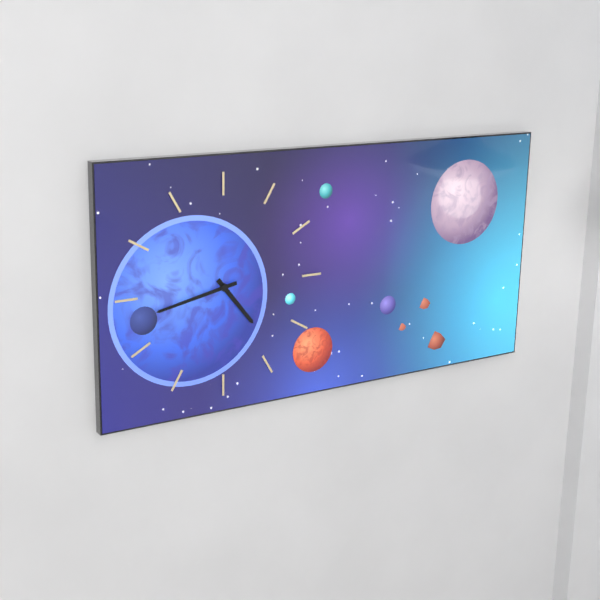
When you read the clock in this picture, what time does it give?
4:43
